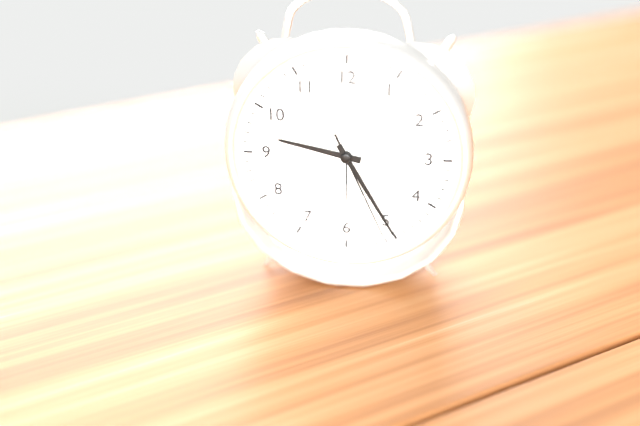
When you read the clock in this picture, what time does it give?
9:25:26
